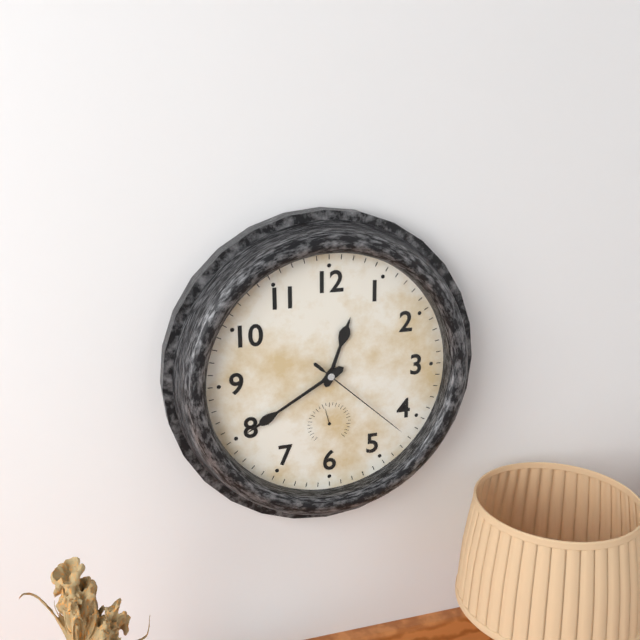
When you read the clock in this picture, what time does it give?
12:40:22
